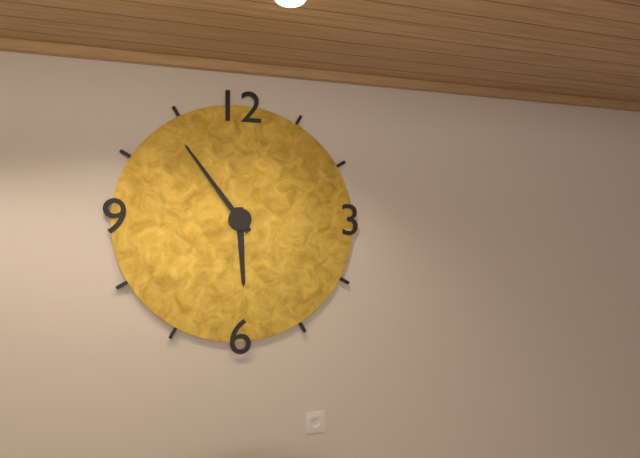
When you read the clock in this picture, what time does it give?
5:54
